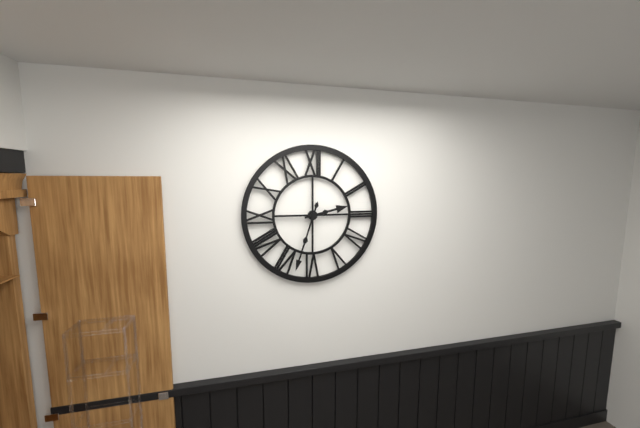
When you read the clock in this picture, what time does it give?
2:33
